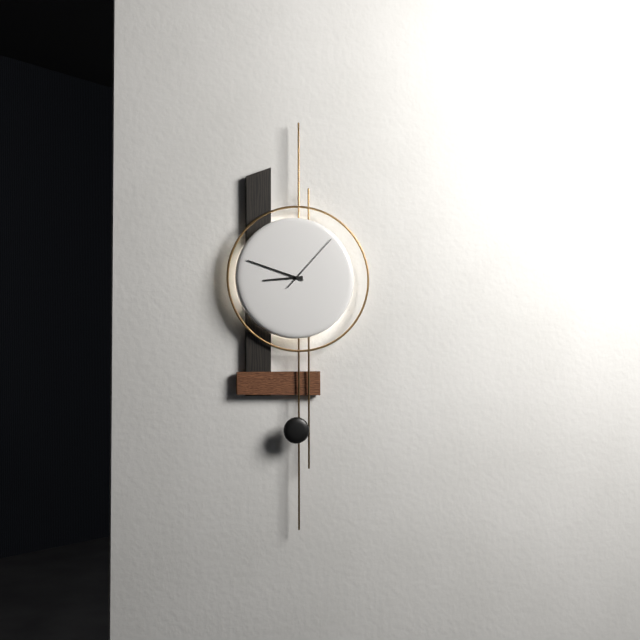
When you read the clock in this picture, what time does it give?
8:48:07
